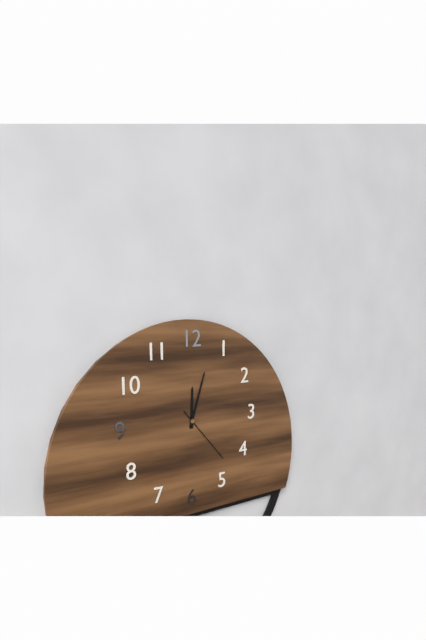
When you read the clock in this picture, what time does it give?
12:03:23
